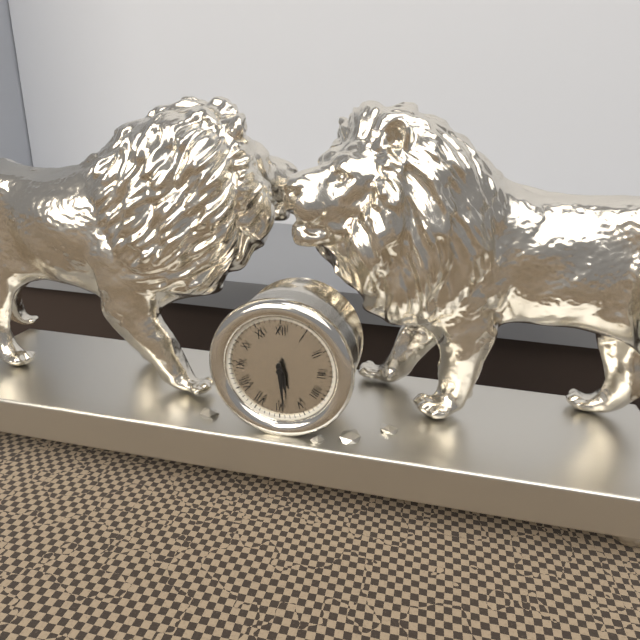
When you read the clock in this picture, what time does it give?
5:29
